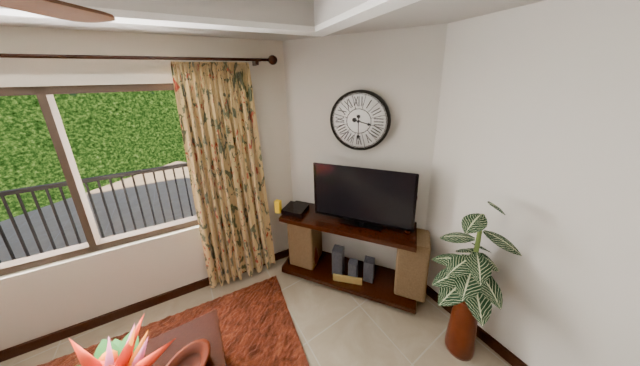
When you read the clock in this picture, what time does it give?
3:30
